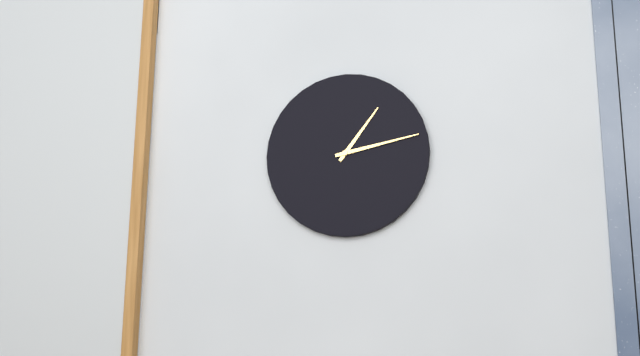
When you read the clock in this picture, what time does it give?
1:13
